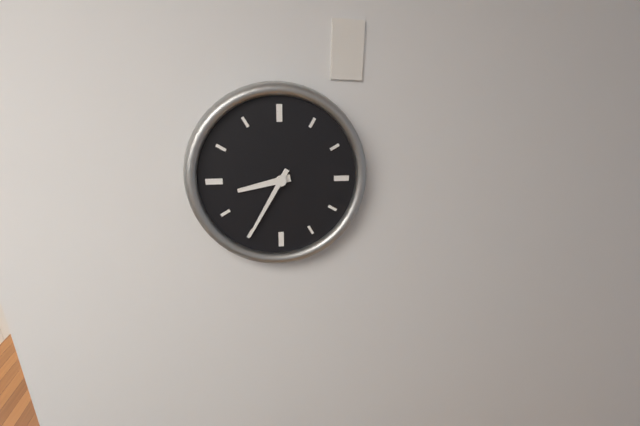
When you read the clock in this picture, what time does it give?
8:35
